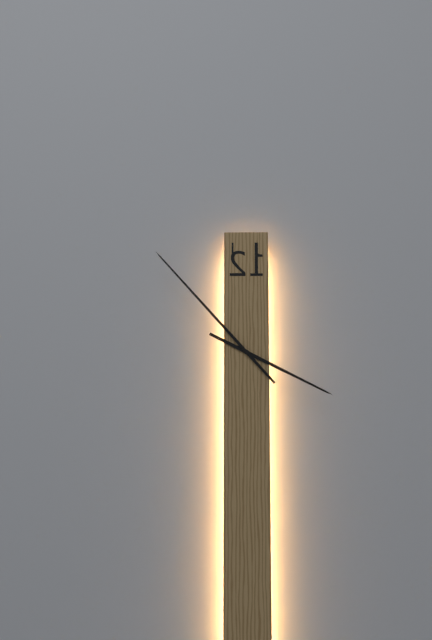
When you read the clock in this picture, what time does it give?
3:53
